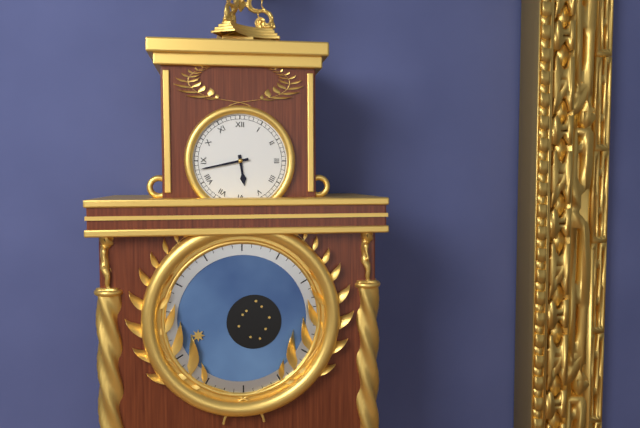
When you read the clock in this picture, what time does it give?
5:43
